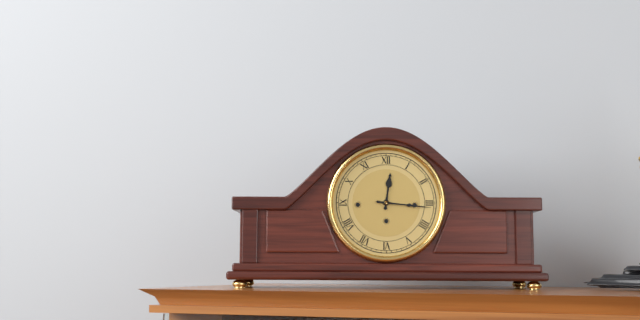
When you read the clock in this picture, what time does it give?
12:16
